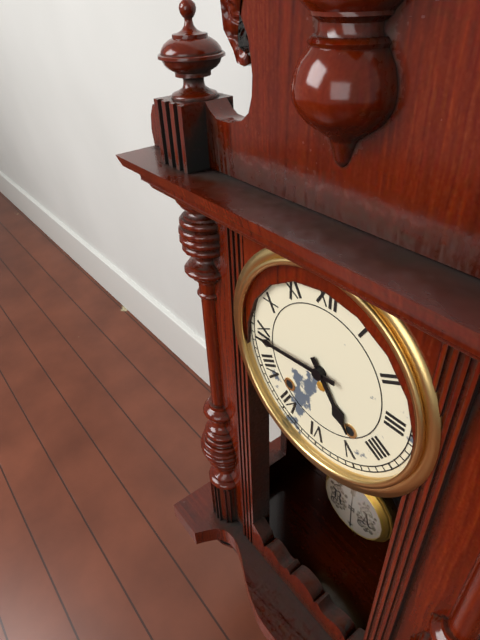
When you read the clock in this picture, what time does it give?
4:44
